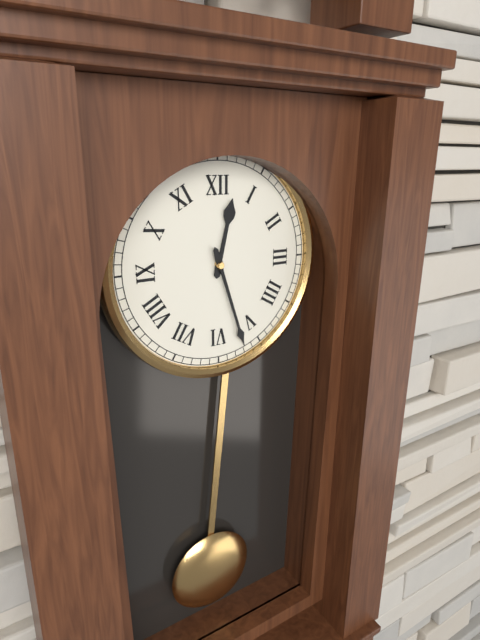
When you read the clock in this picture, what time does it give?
12:27
